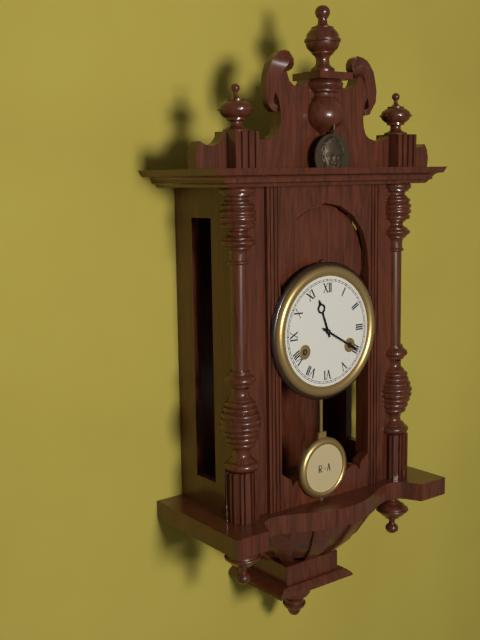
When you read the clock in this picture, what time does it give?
11:20
